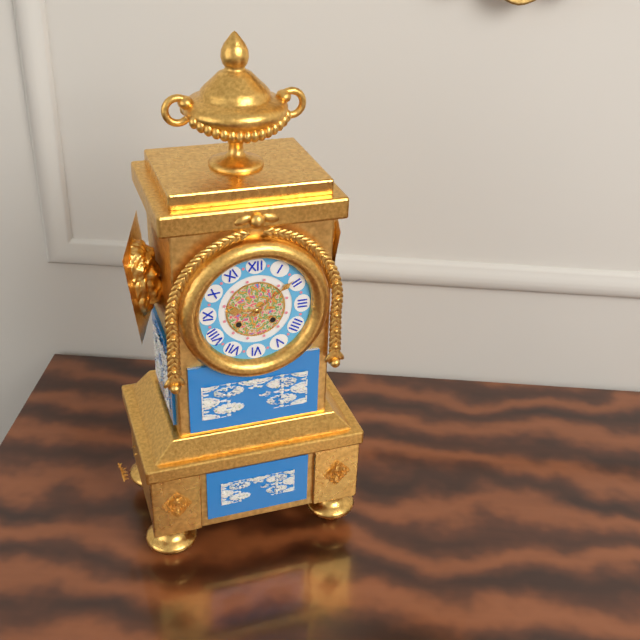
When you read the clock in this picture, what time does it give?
9:09
